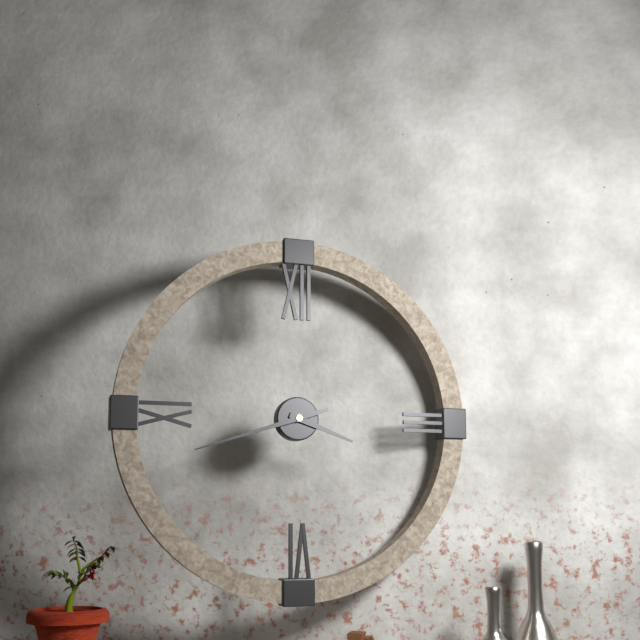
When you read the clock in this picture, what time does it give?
3:42
